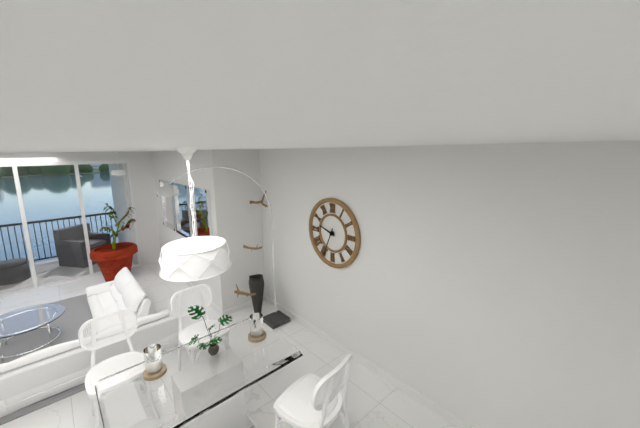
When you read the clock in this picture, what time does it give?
9:34
